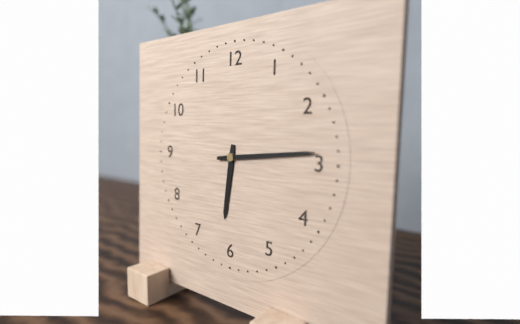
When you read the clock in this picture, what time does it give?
6:14
